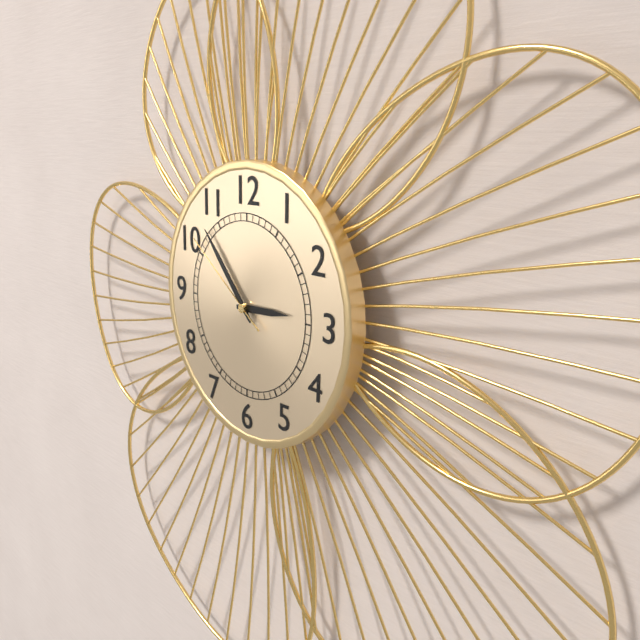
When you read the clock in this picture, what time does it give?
2:53:51
